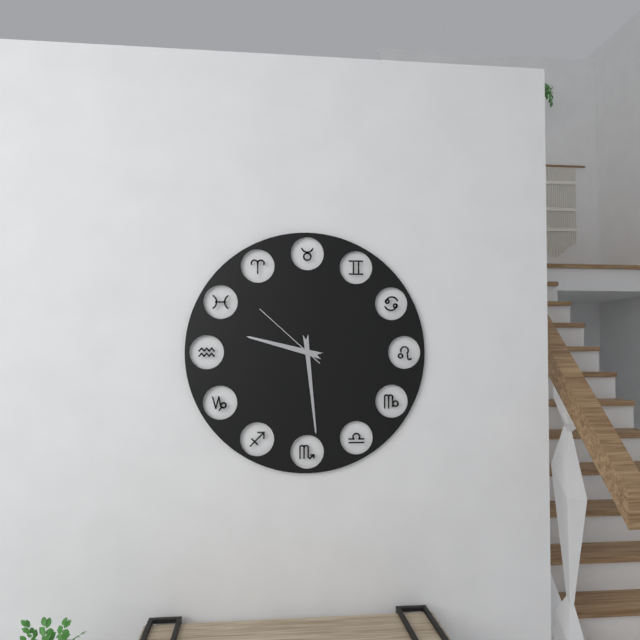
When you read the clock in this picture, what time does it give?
9:29:52
